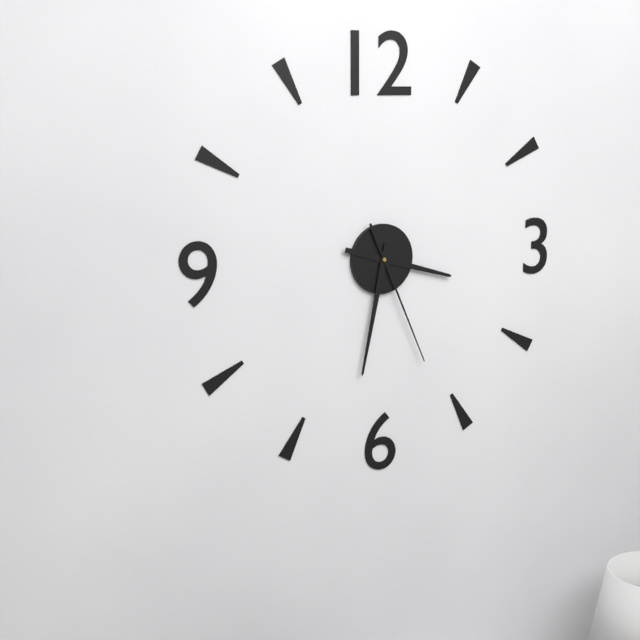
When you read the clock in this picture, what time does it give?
3:32:26
